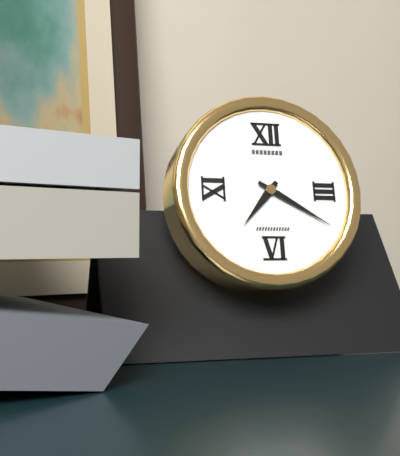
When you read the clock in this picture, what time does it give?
7:20
